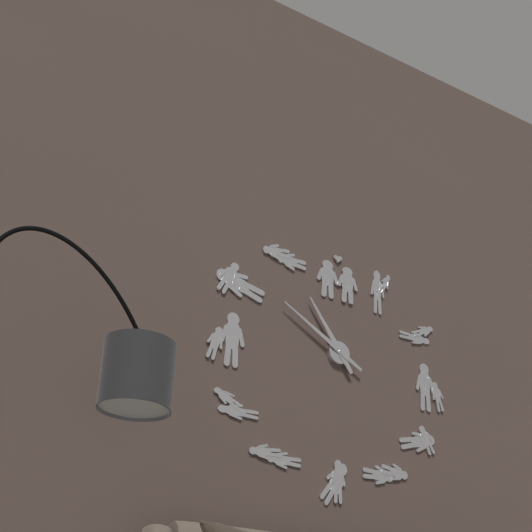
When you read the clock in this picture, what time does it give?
10:50
